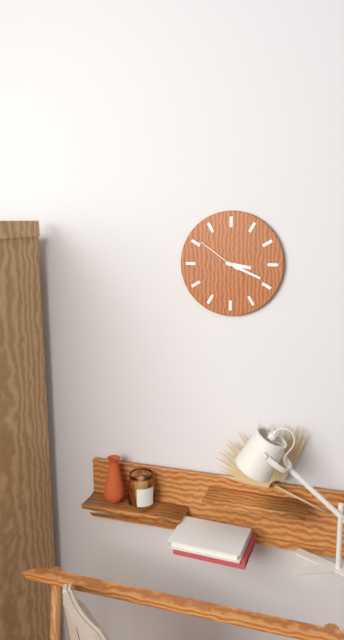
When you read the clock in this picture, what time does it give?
3:19
